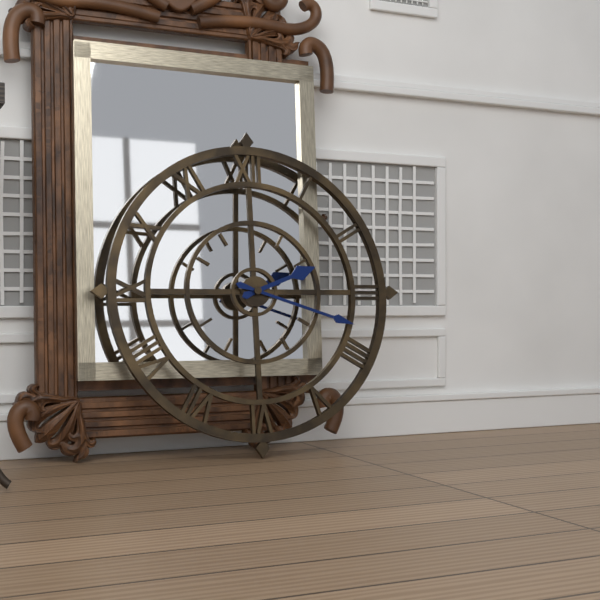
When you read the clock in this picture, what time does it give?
2:18
